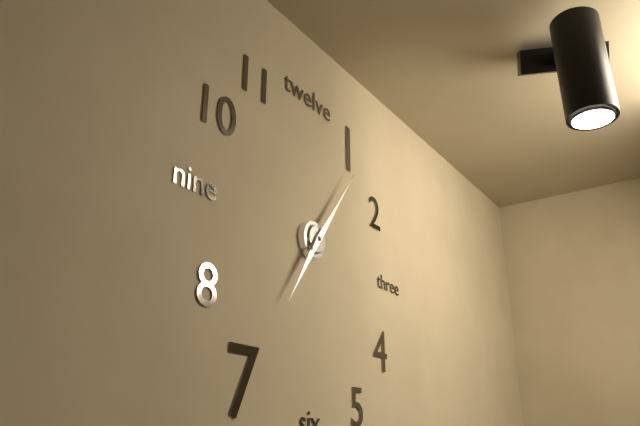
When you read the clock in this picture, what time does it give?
7:06
